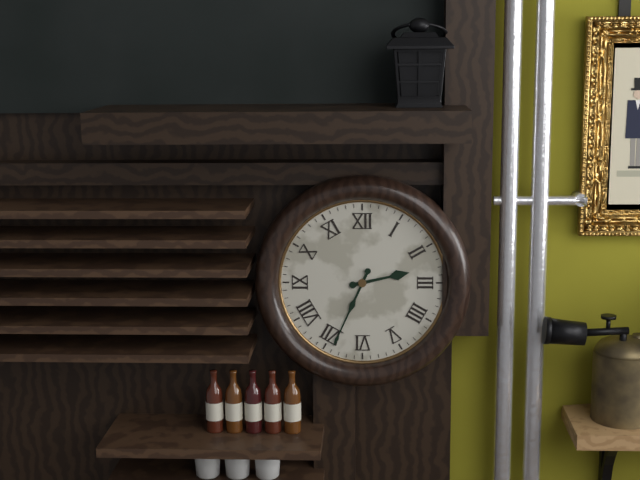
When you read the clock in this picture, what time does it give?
2:34
